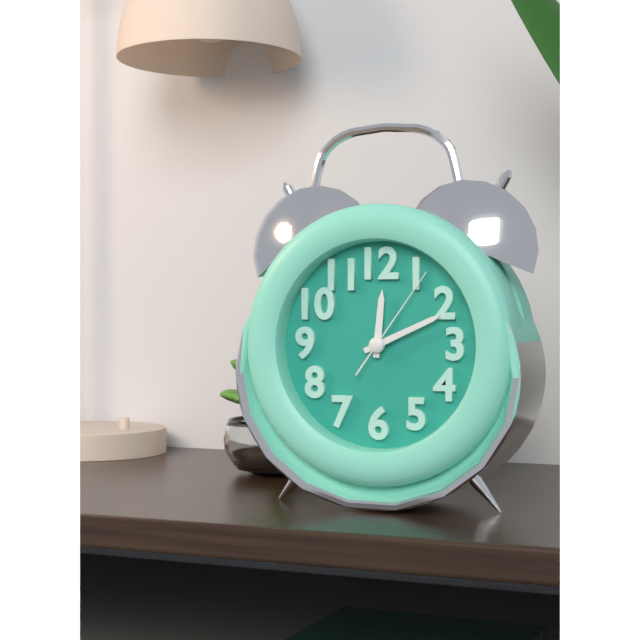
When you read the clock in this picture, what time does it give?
12:11:06
